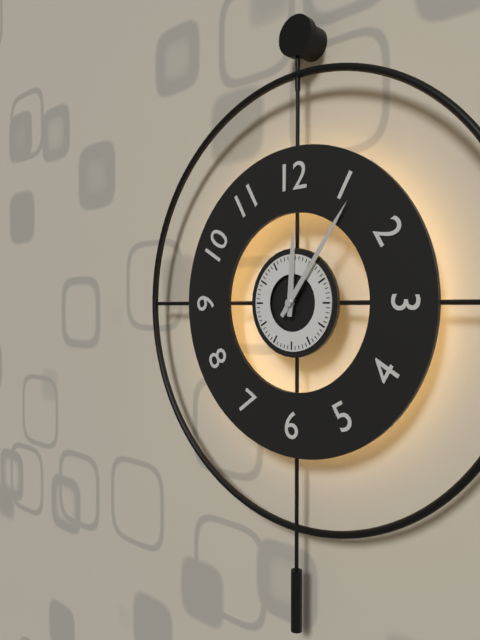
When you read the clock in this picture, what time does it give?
12:06
